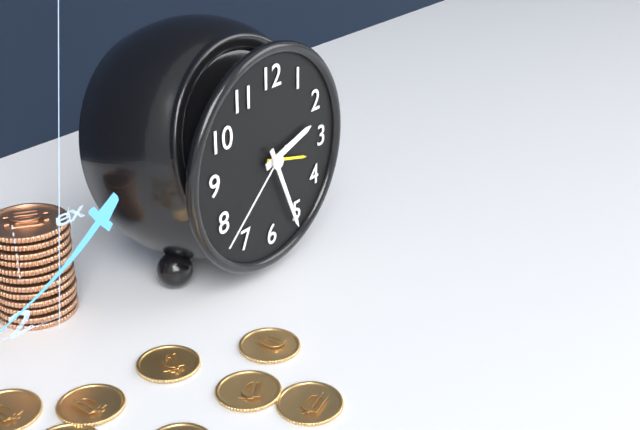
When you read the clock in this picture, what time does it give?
2:26:38
